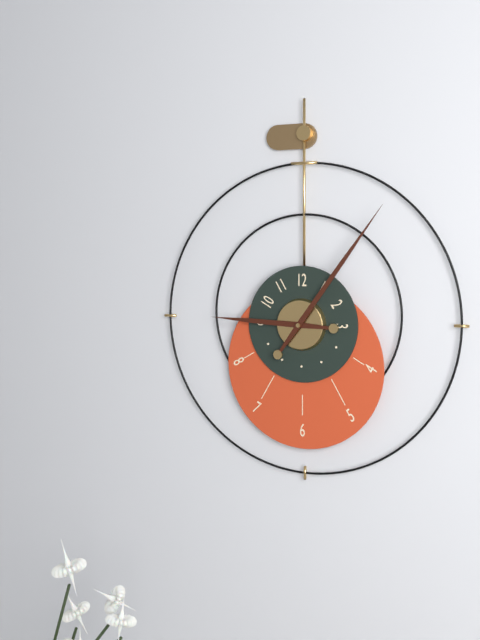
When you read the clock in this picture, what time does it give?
9:06
